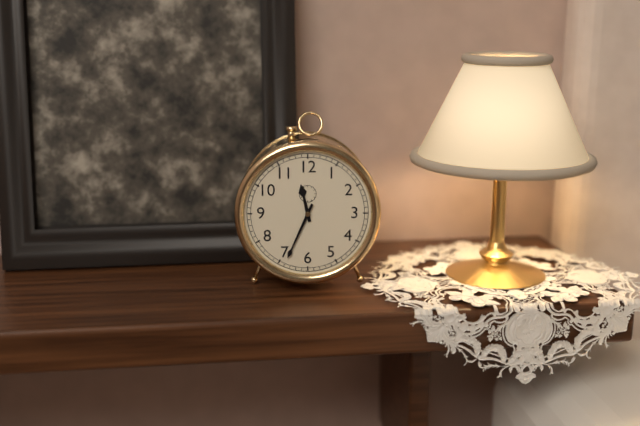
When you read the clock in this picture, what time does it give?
11:34
